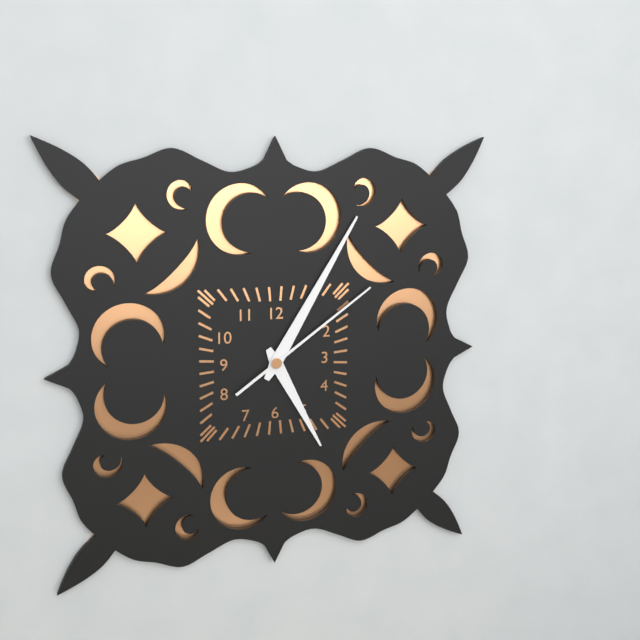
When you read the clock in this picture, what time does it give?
5:05:09
